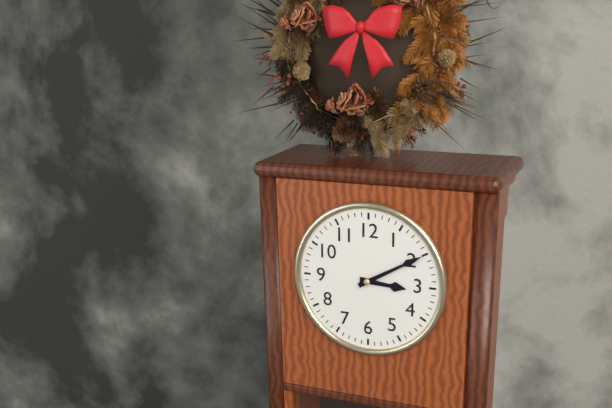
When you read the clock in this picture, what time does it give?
3:10
